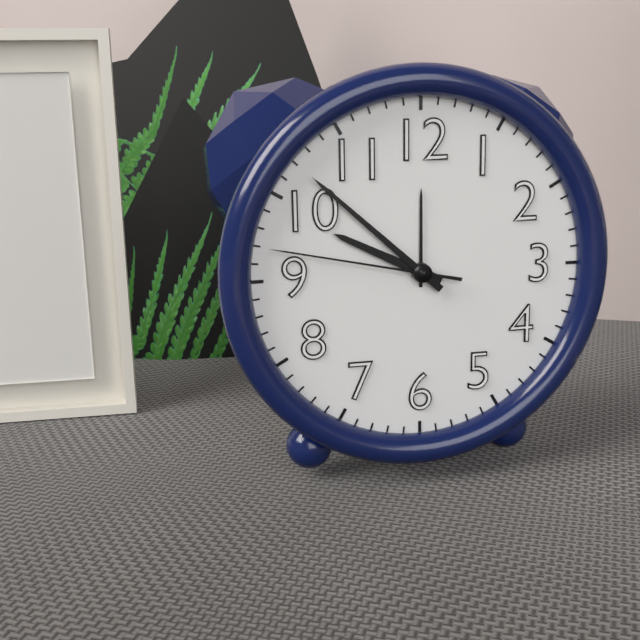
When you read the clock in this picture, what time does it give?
9:52:47
